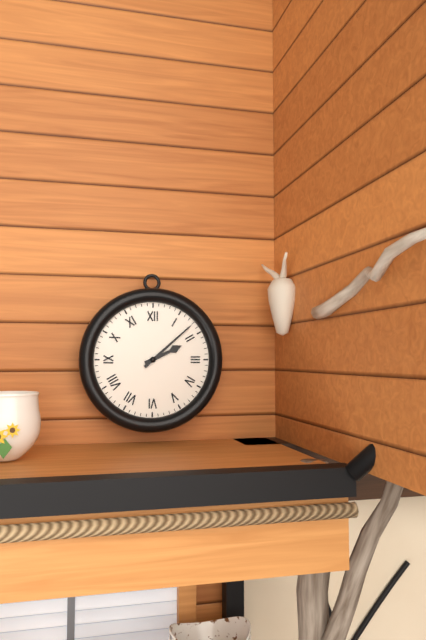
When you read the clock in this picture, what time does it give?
2:08
